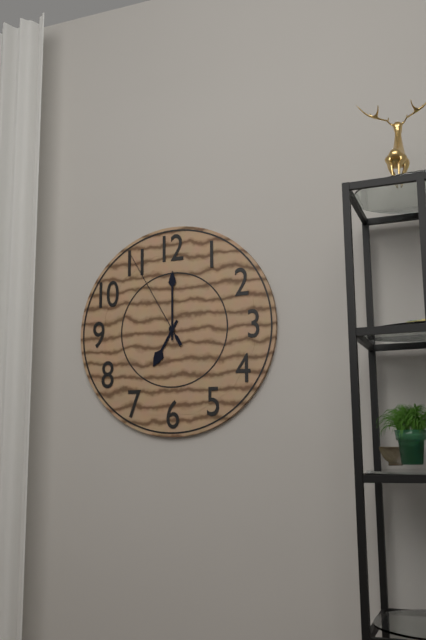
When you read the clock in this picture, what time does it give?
7:00:55
